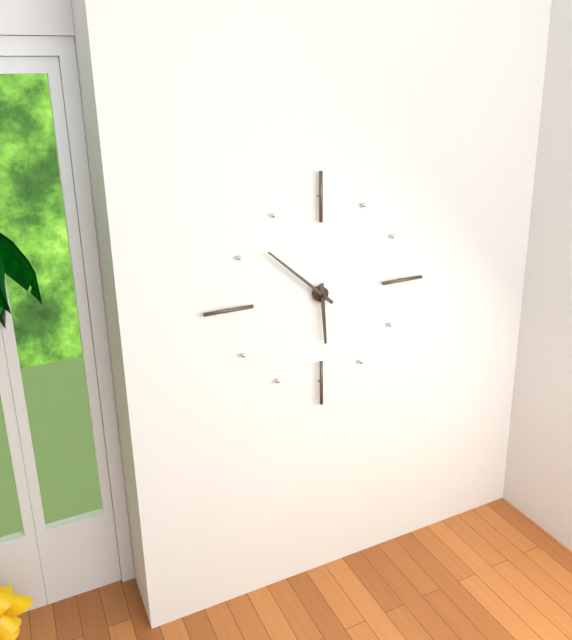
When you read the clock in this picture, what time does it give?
5:52
